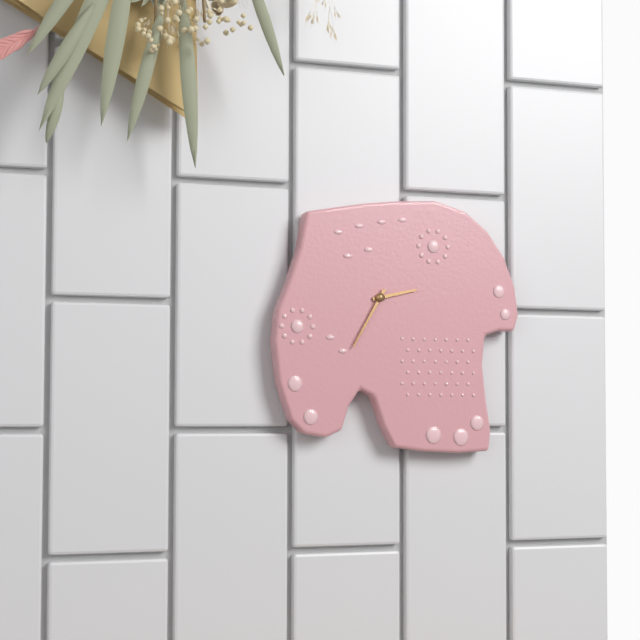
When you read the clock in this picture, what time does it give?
2:35
